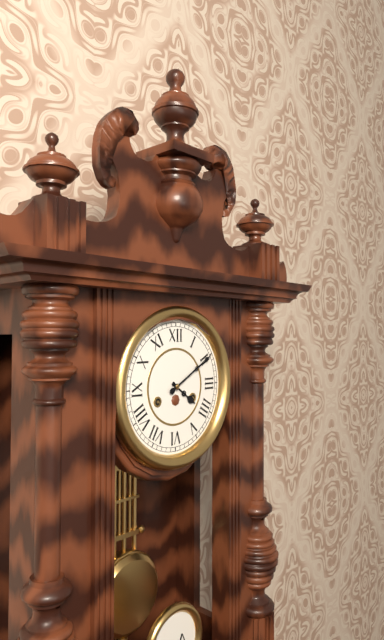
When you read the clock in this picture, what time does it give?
4:10
